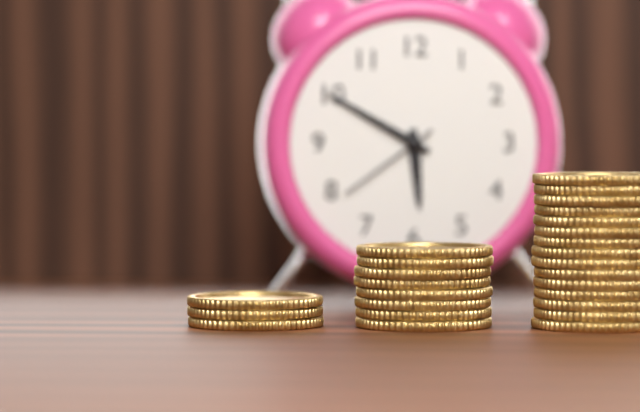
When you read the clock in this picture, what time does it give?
5:50:39
